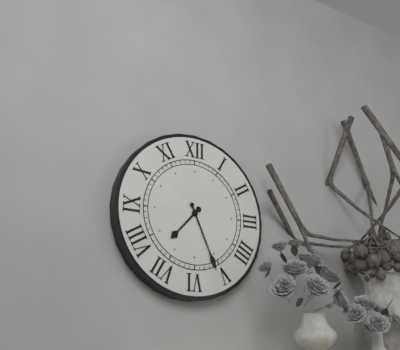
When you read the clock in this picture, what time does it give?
7:26
